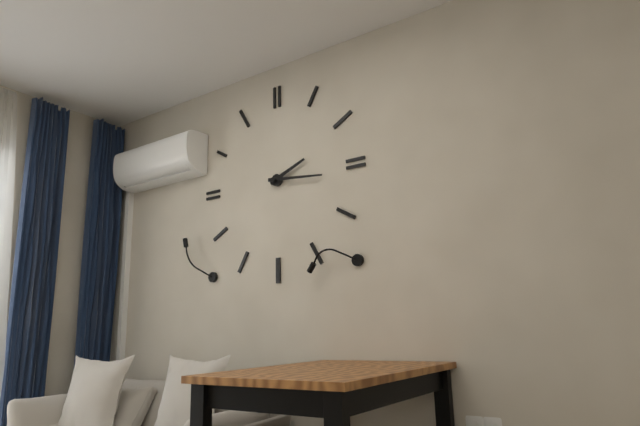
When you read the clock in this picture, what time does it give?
2:16
